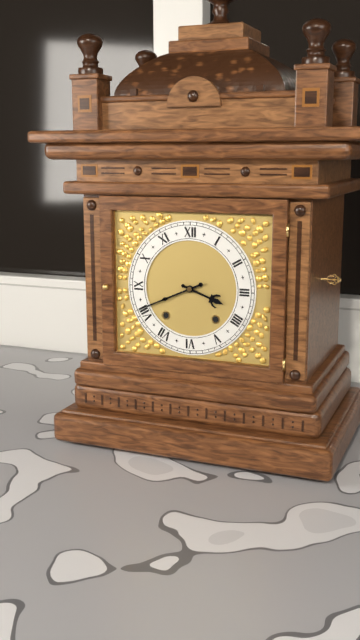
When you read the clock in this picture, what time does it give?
3:41
